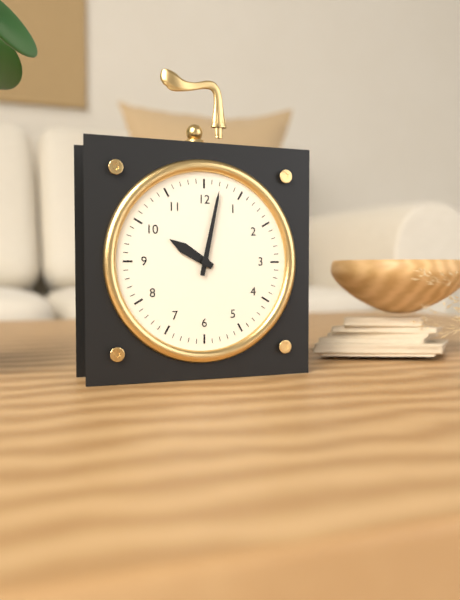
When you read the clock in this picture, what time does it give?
10:02
